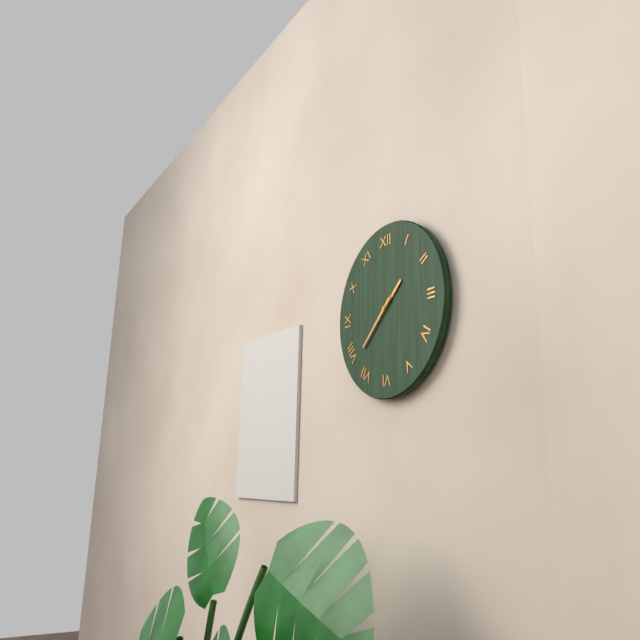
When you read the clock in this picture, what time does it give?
1:38
